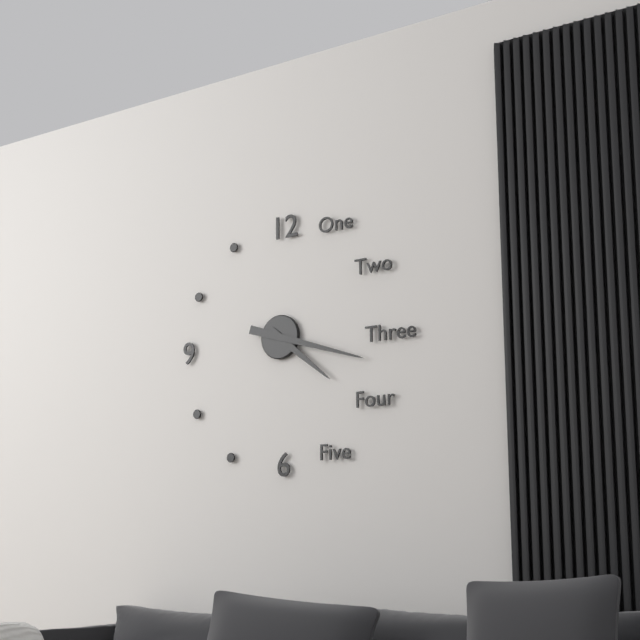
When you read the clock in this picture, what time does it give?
4:18
